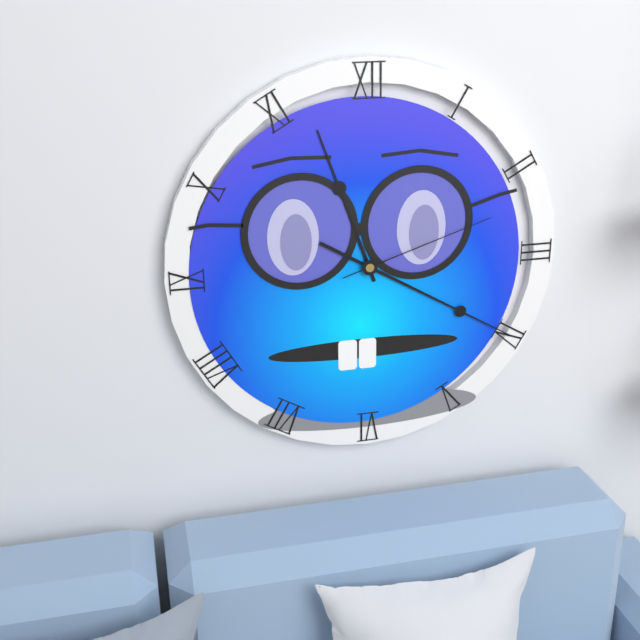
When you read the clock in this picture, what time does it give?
11:20:12
